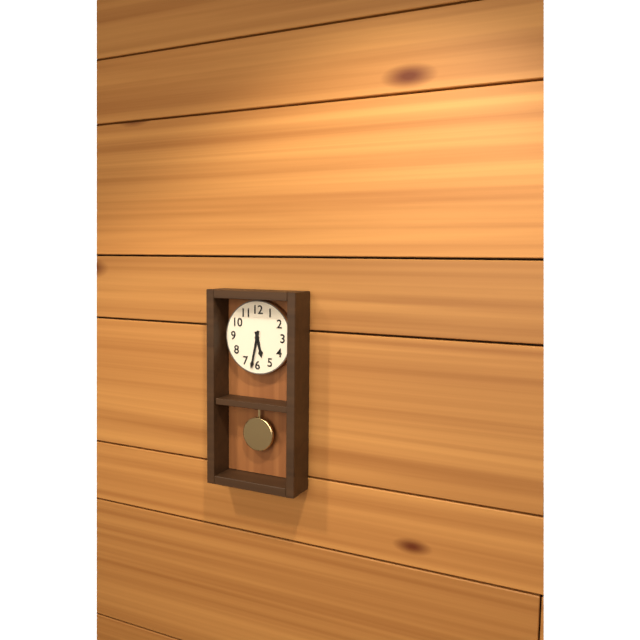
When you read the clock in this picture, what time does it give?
5:32
